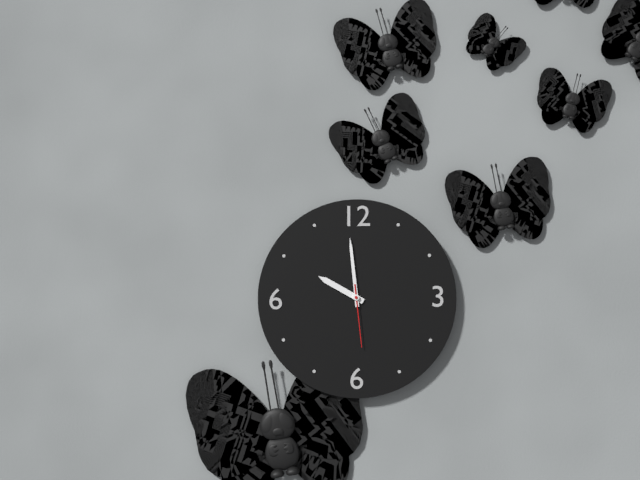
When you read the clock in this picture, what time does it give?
9:59:29
